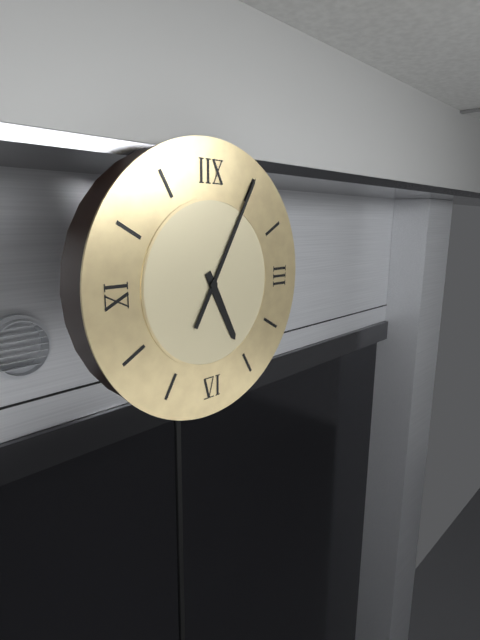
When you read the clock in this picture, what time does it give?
5:05
